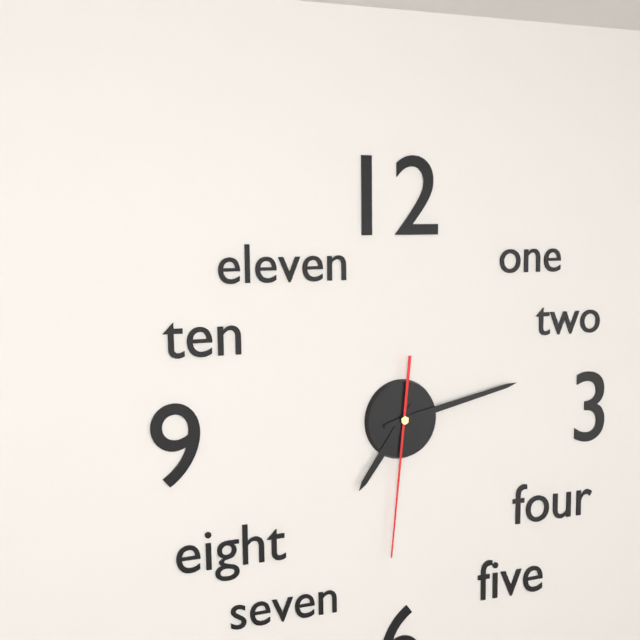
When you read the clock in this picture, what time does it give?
7:13:31
